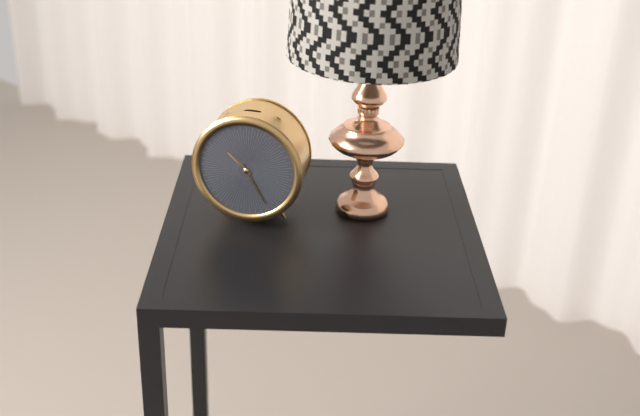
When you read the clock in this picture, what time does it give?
10:25
